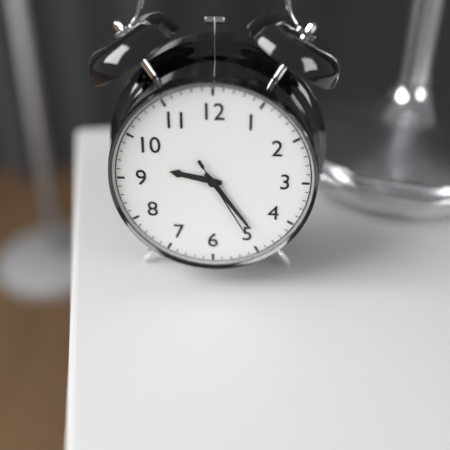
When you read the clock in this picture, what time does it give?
9:24:25
